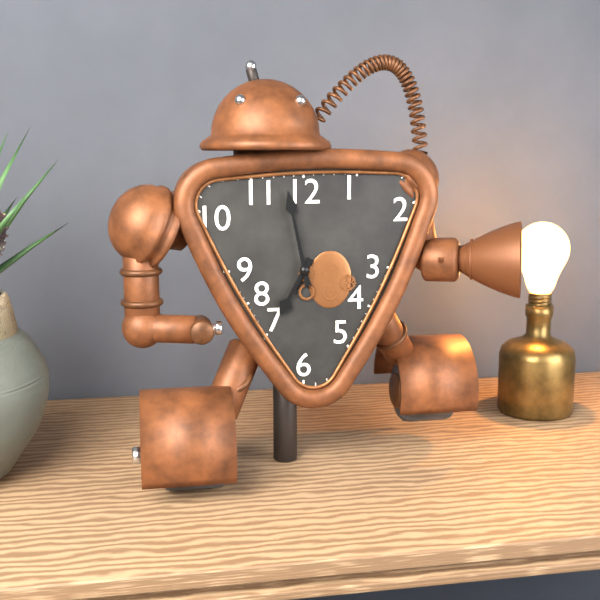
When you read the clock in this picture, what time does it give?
6:58
